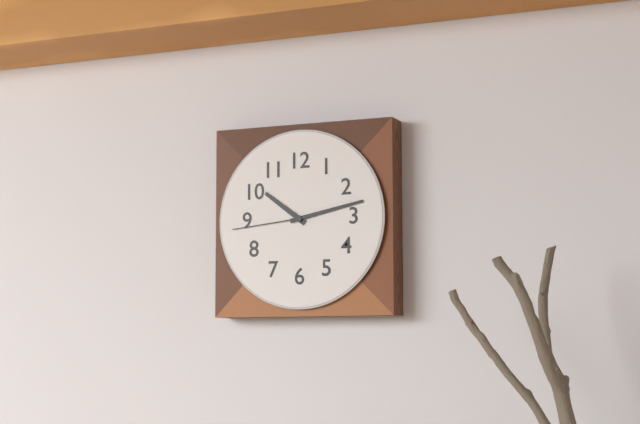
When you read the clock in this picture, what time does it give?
10:13:44
